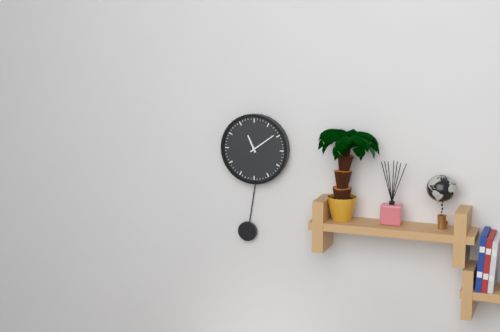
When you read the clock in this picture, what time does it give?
11:09
